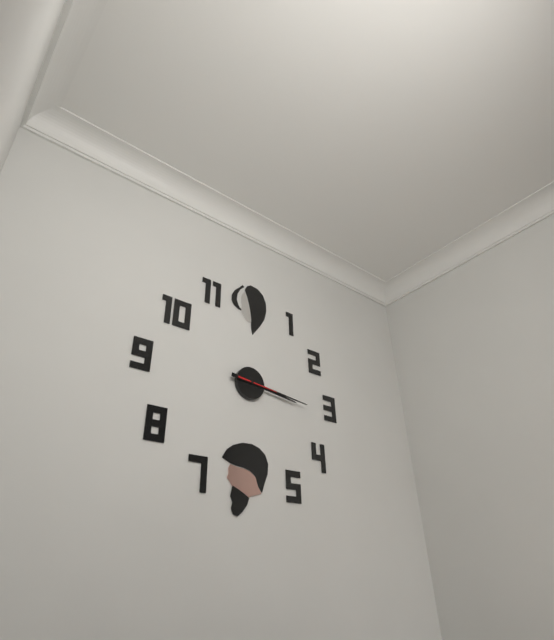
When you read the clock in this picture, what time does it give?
3:16
